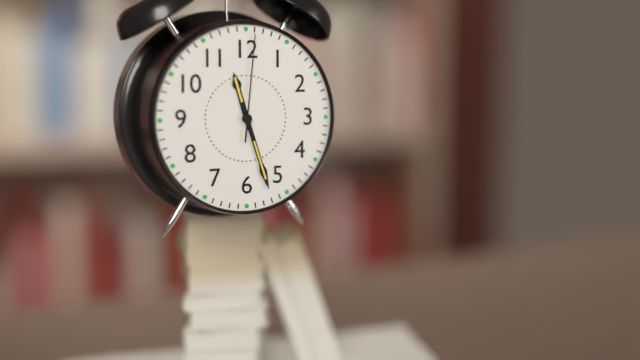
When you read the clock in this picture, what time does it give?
11:27:01
